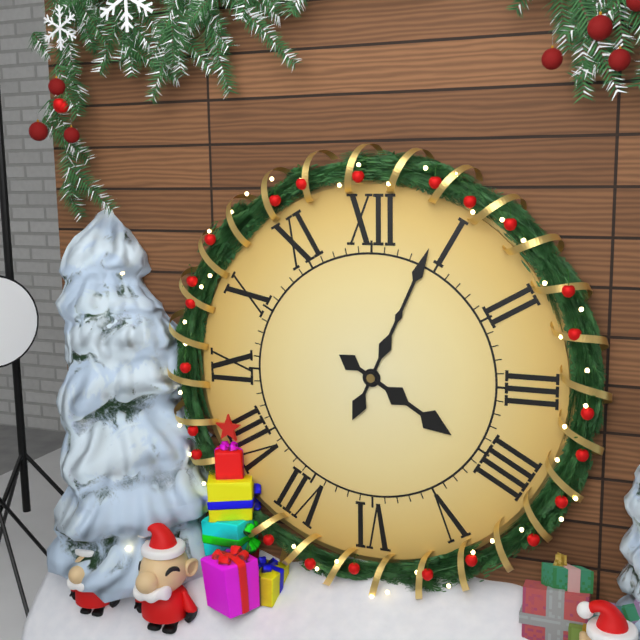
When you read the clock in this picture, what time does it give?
4:04
